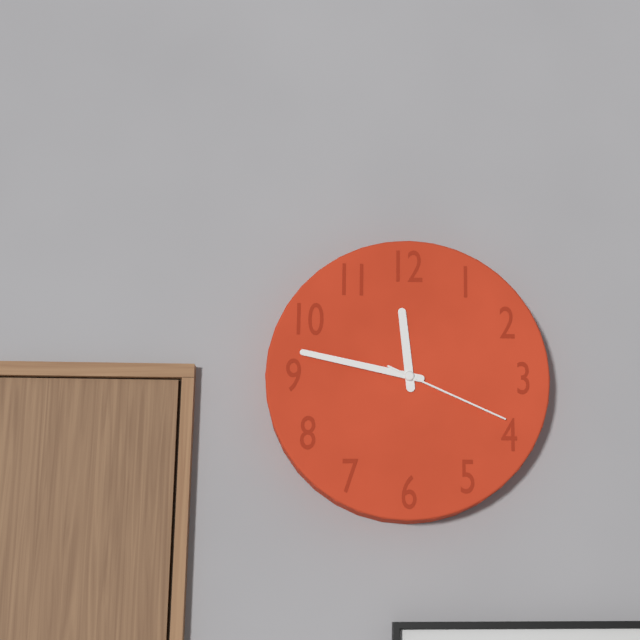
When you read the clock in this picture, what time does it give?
11:47:19
